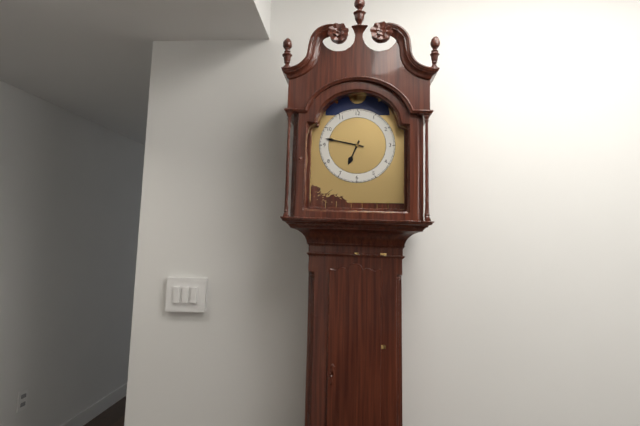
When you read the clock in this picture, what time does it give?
6:47
